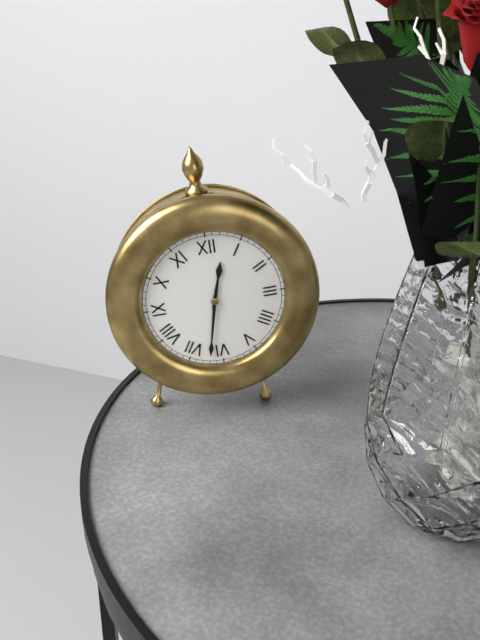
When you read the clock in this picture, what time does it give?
12:32
